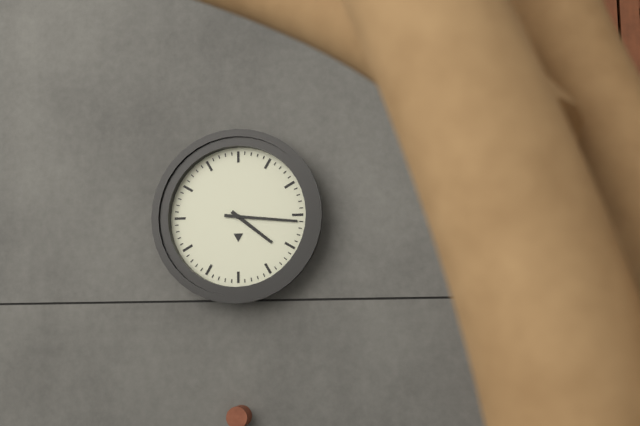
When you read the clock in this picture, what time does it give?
4:16
